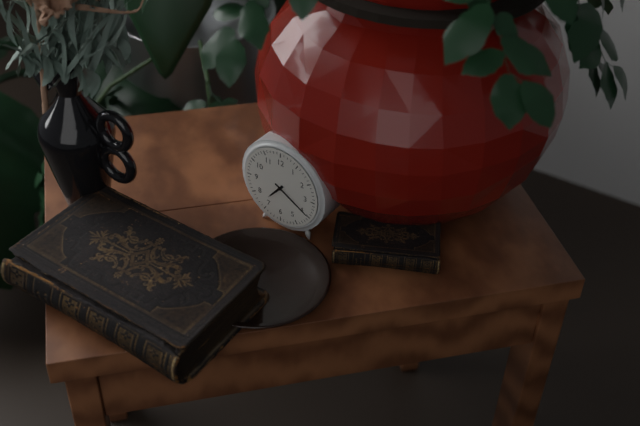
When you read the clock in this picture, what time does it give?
7:20
